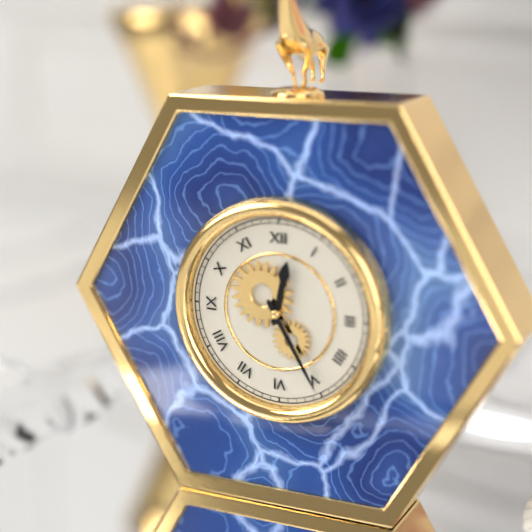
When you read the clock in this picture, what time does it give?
12:25
